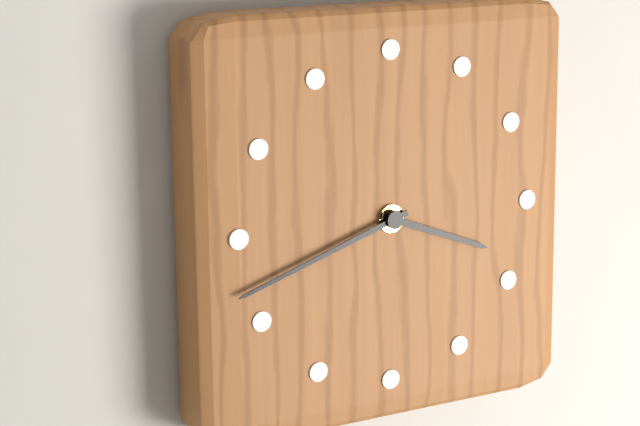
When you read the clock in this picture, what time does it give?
3:42
